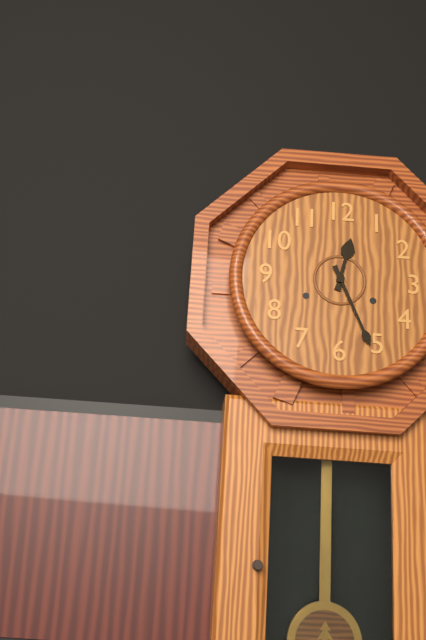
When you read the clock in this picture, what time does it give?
12:26
